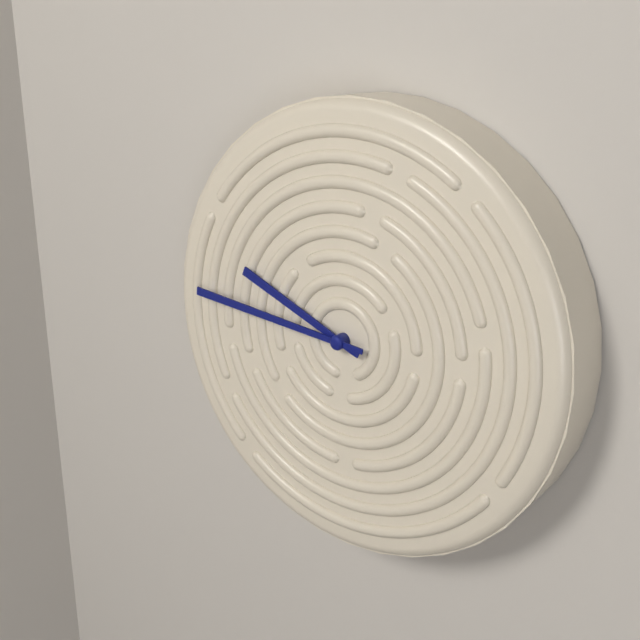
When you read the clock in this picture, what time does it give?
9:46
